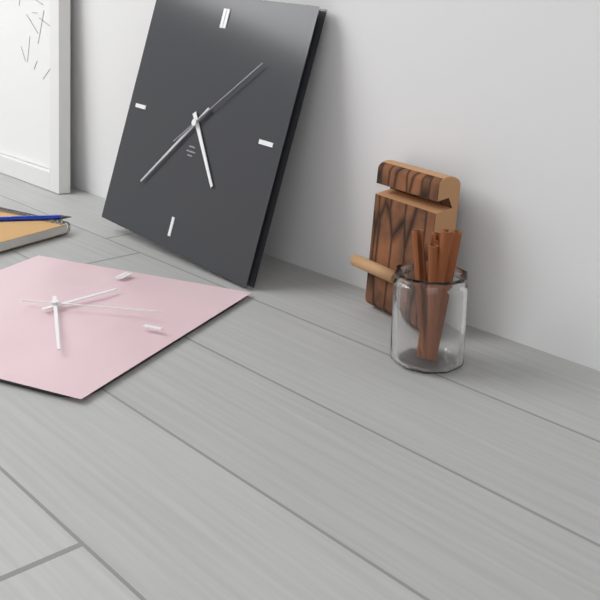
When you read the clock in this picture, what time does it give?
4:37:08
